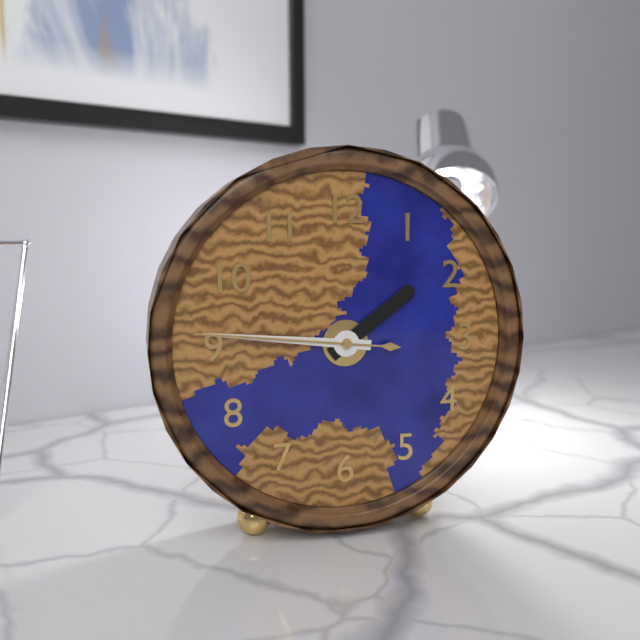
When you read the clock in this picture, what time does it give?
1:46:46
